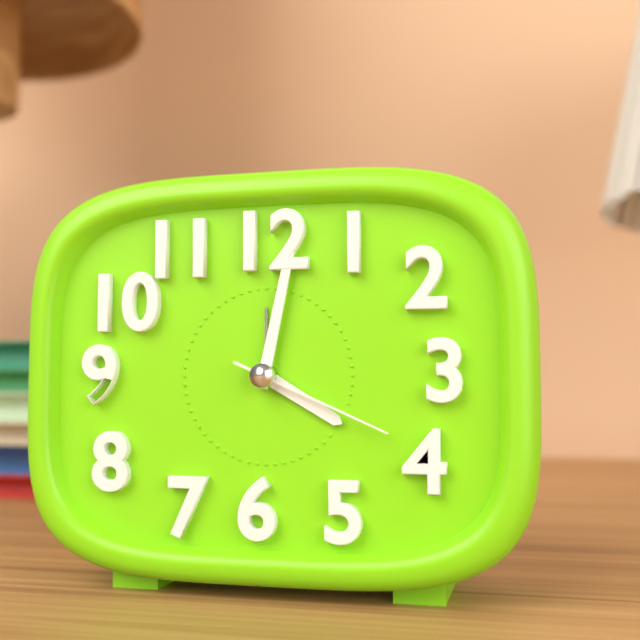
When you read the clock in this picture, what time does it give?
4:02:19
